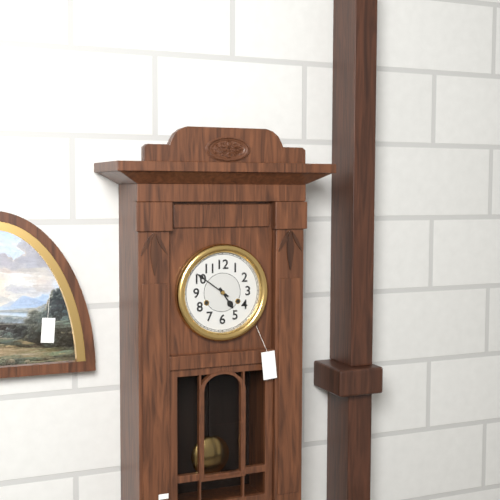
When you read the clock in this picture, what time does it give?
4:51
